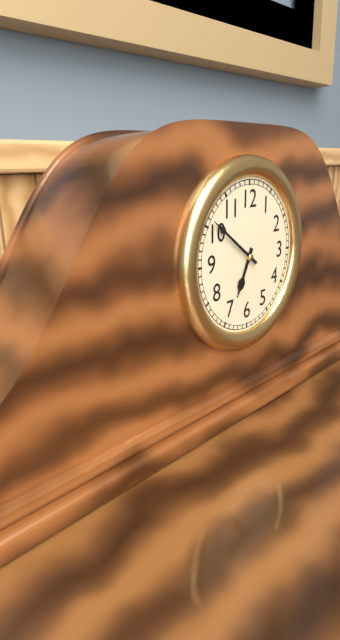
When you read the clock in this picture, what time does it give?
6:51
